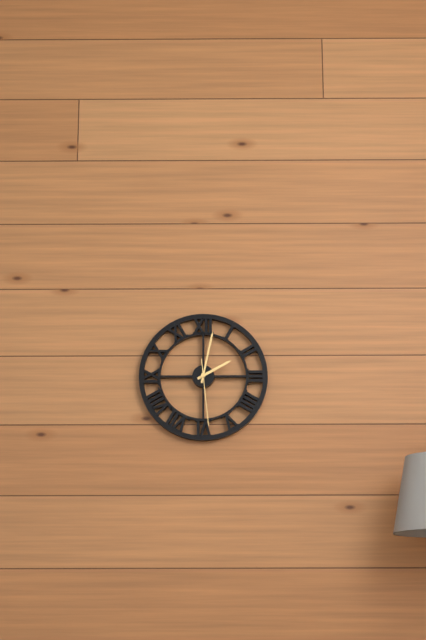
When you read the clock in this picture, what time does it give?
2:02:29
